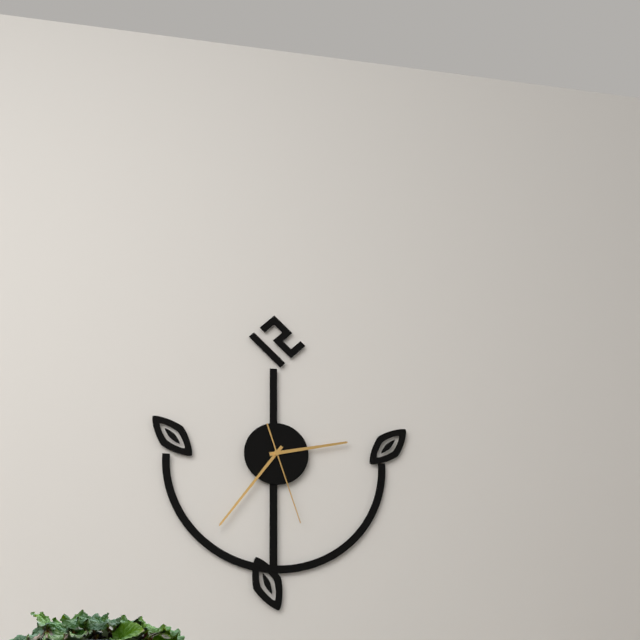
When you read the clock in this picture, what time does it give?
2:36:27
